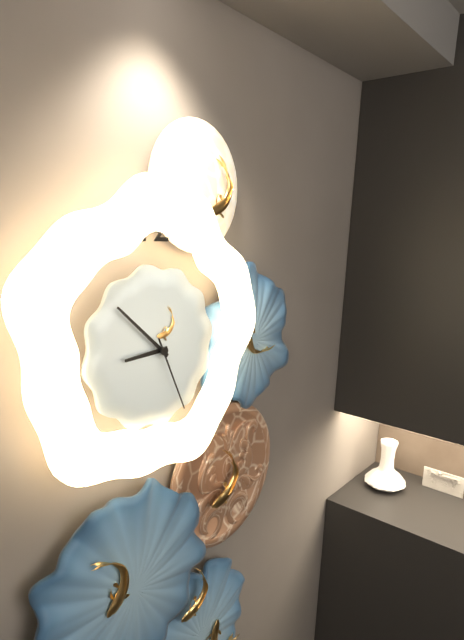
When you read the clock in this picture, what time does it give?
8:52:26
